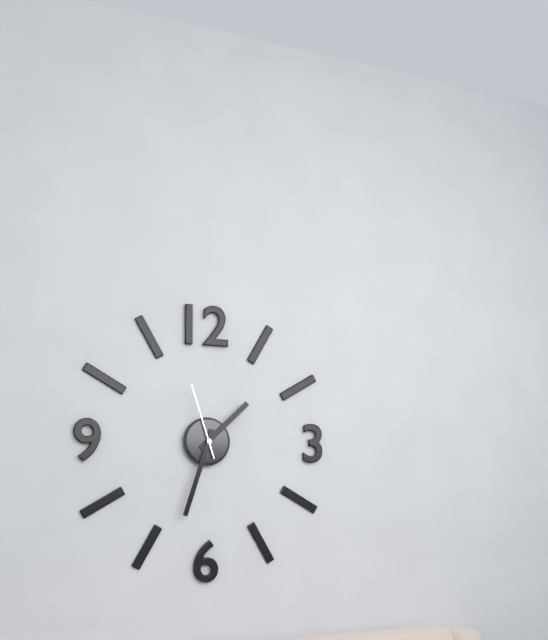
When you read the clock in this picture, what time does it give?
1:33:57
